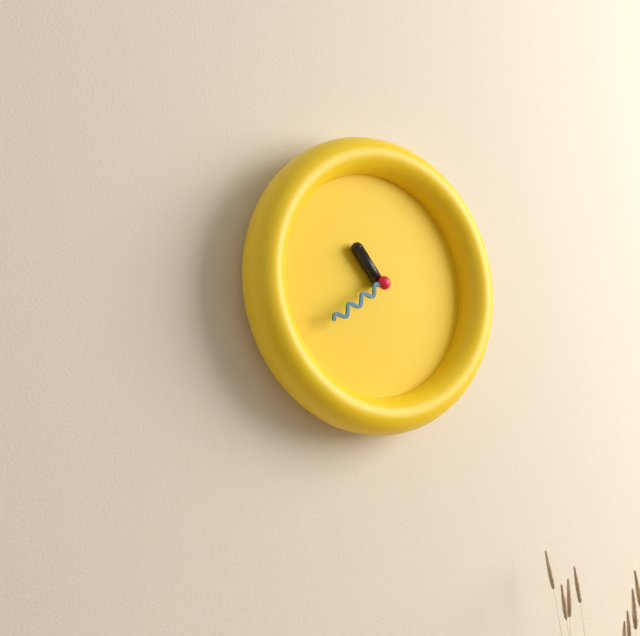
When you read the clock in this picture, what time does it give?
10:39
